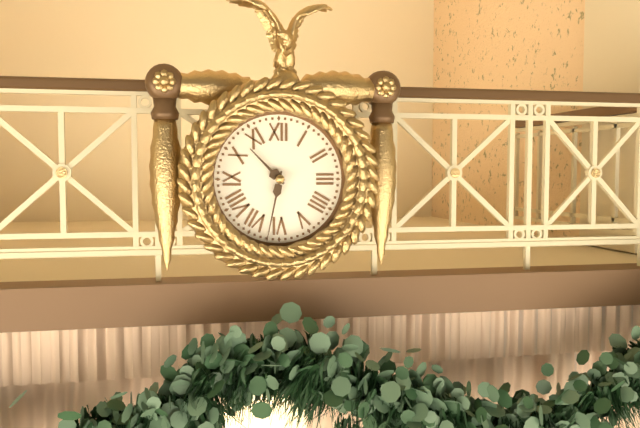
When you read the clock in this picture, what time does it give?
10:32
